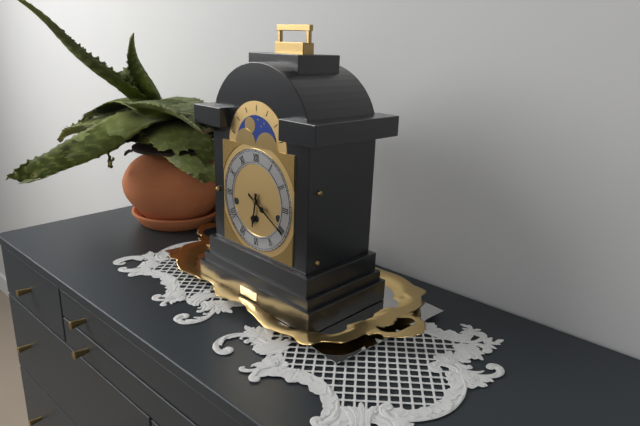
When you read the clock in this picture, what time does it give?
6:20
